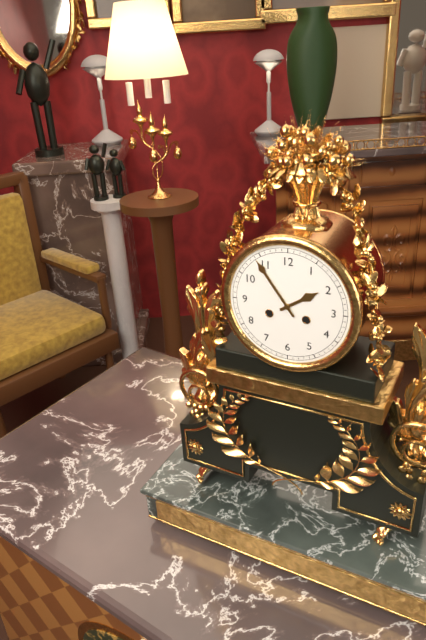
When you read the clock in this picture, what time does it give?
1:54
